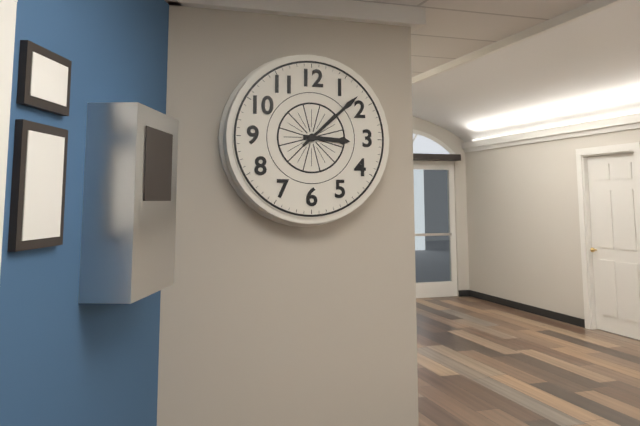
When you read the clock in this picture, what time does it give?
3:08
